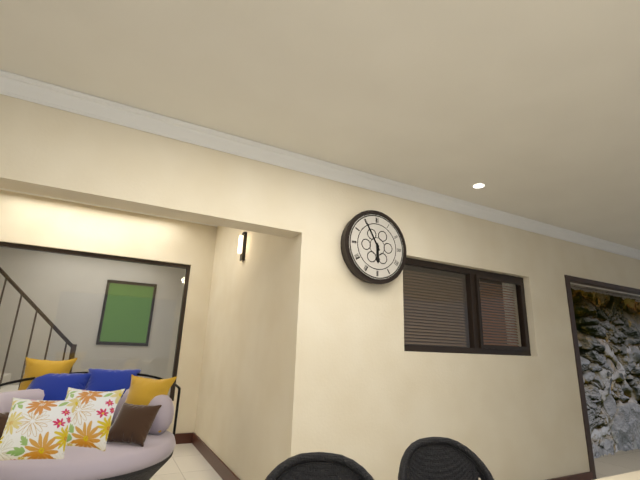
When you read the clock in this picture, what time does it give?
5:55
